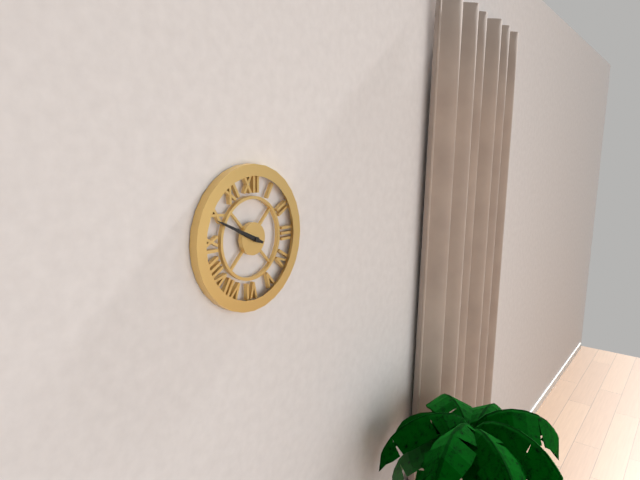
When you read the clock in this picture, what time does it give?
9:49
